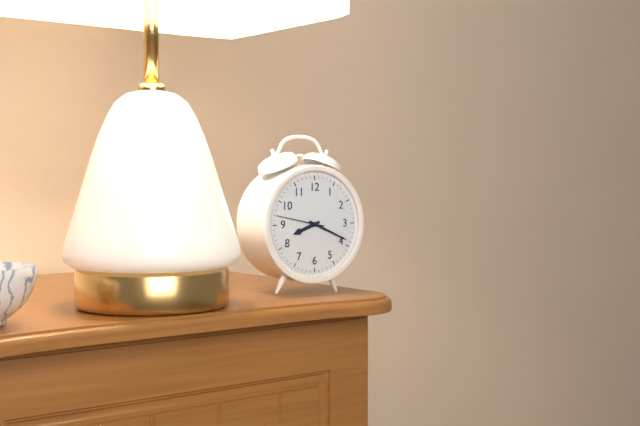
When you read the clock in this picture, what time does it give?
8:19
